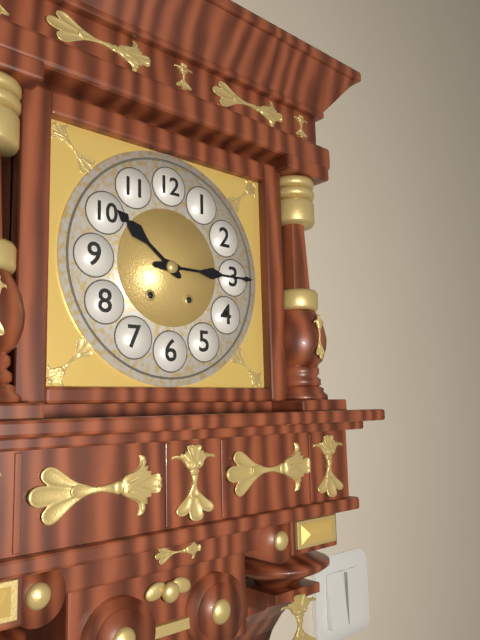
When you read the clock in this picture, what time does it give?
10:15
